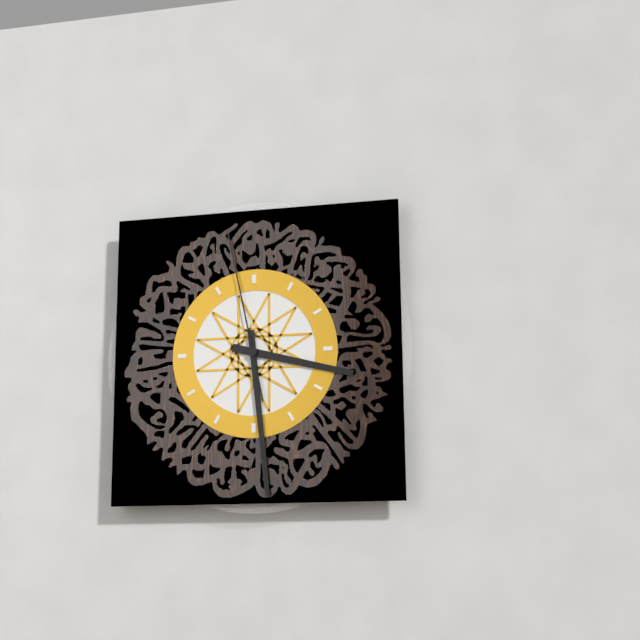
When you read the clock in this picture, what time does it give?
3:29:58
